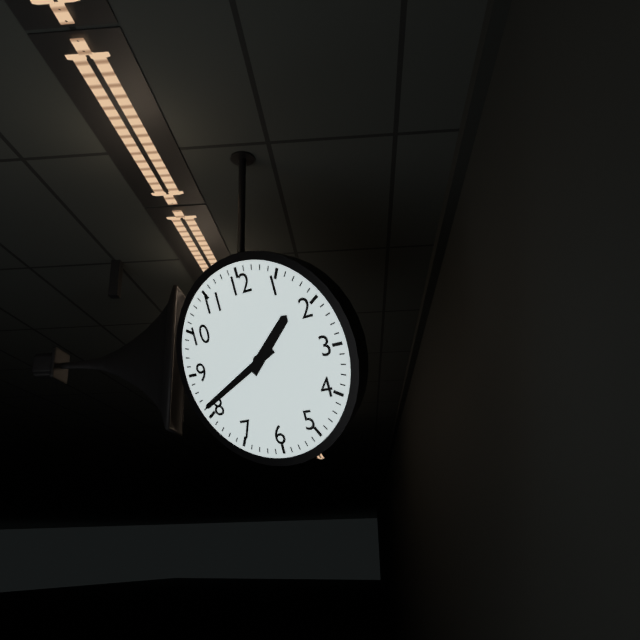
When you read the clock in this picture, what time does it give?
1:41
